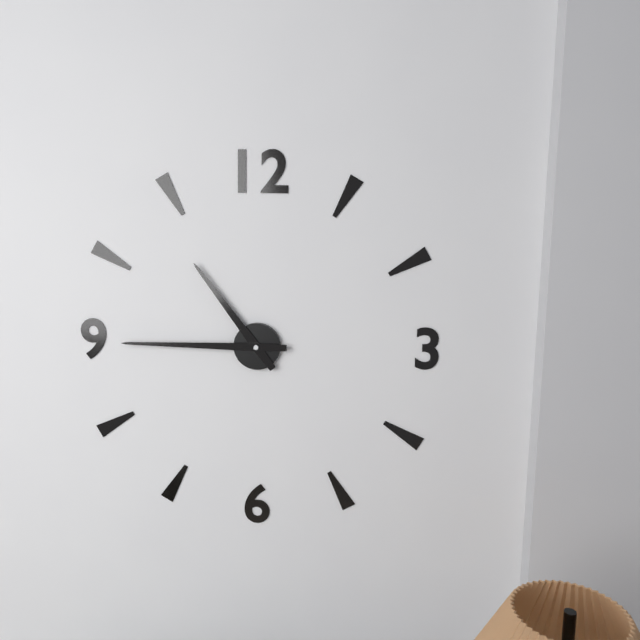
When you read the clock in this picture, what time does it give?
10:45
